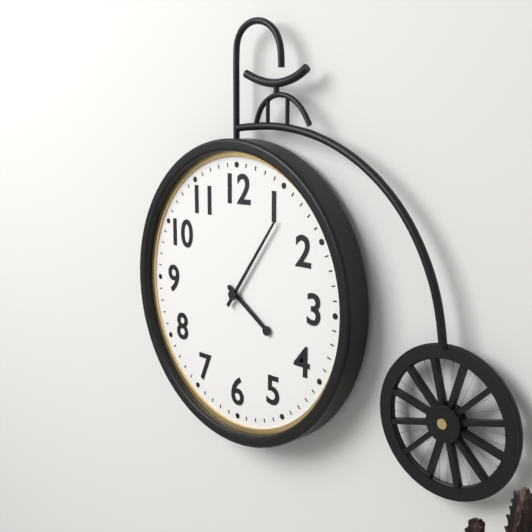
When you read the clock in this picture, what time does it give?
4:06
